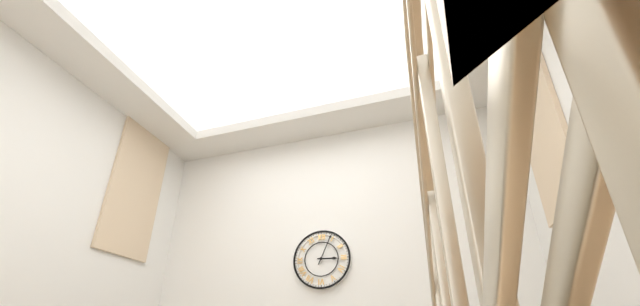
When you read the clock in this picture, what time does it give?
3:04
